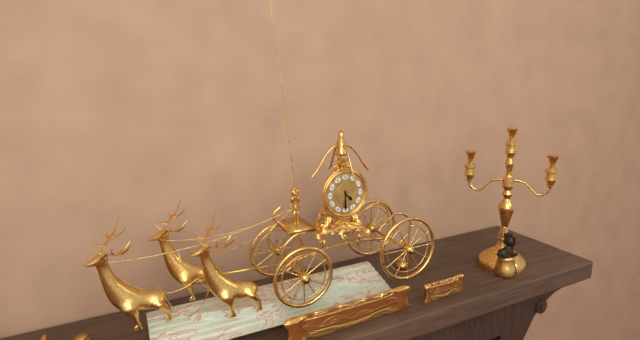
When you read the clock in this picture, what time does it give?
4:30
